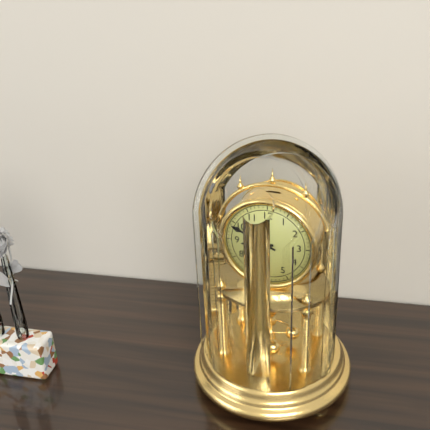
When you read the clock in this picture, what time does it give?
8:49
